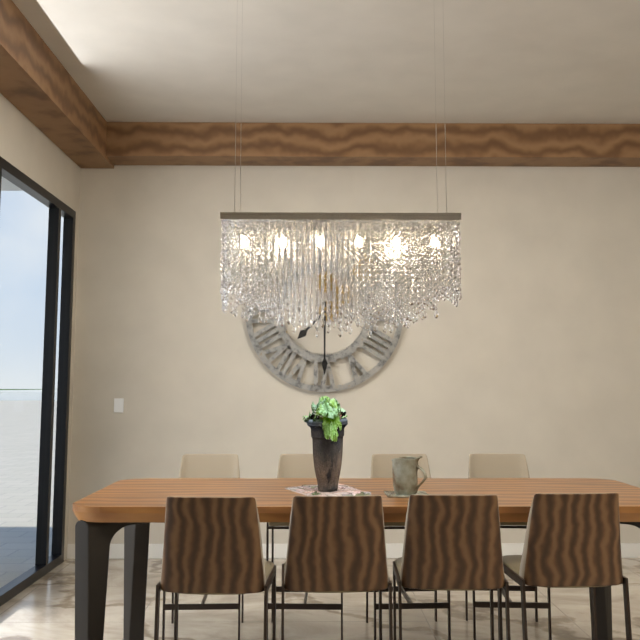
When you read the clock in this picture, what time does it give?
7:30
